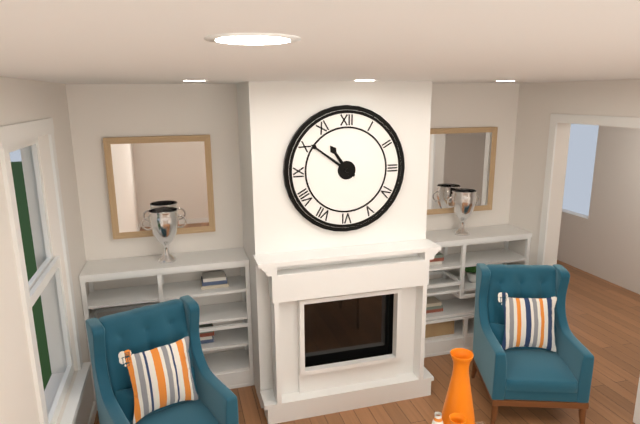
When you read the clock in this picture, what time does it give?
10:51
